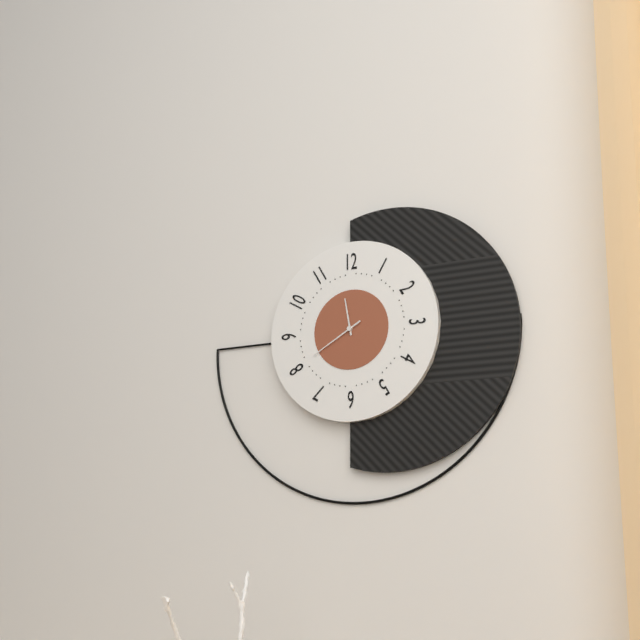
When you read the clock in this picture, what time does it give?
11:40
